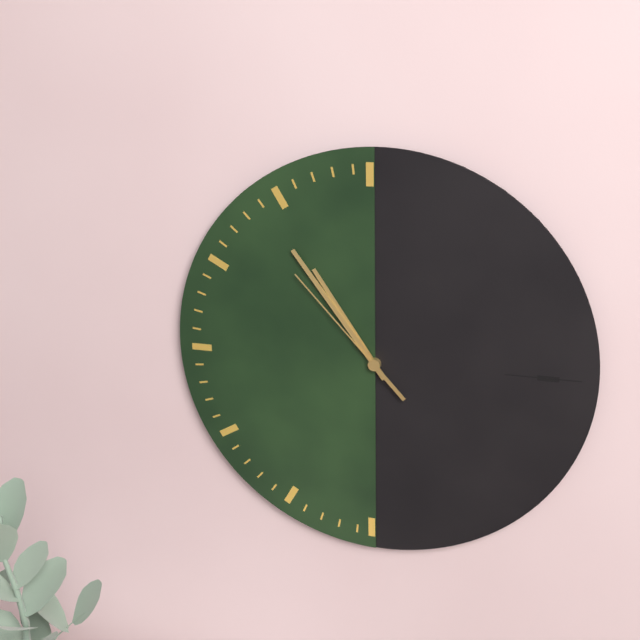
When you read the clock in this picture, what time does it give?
10:54:53
